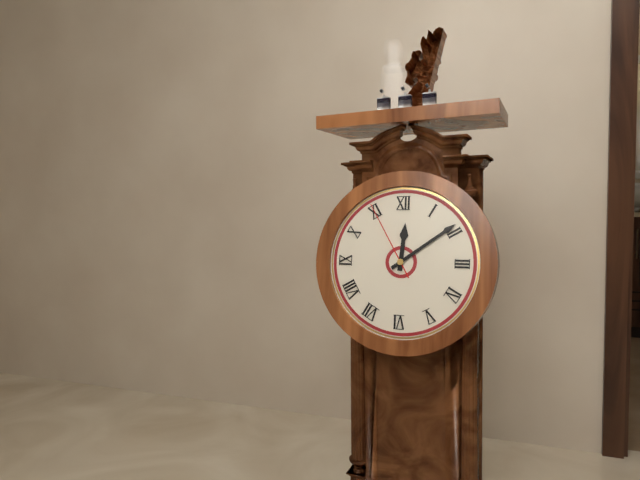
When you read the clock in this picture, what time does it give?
12:09:55
